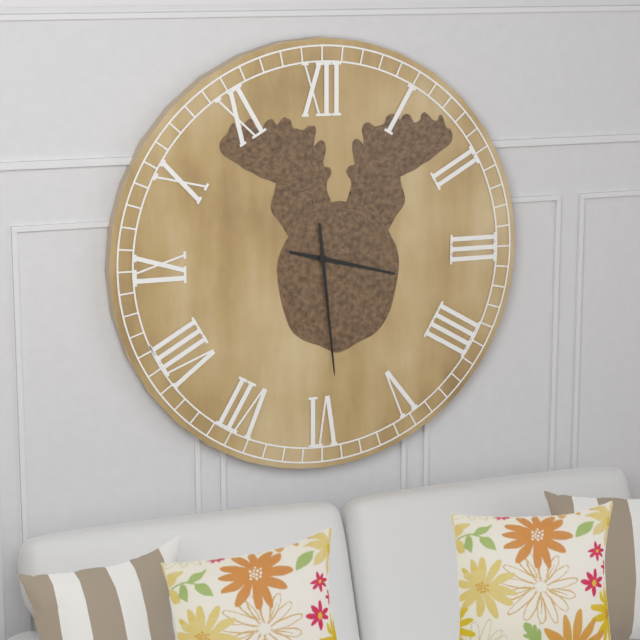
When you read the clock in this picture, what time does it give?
3:29
